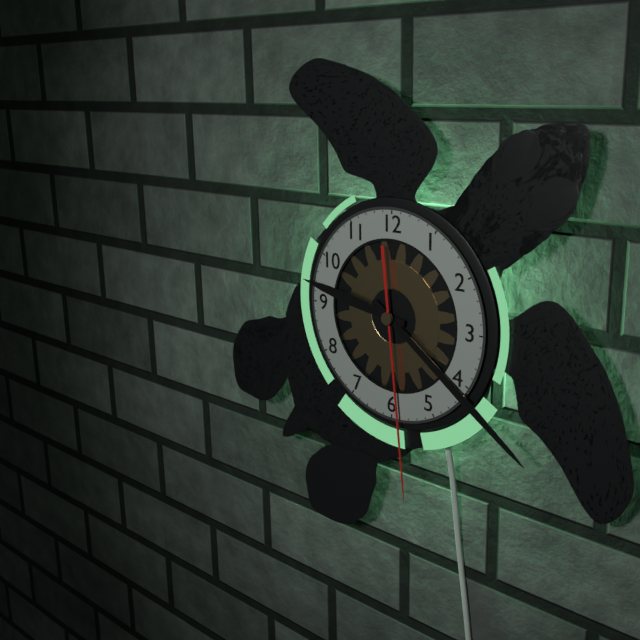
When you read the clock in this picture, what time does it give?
9:21:29
